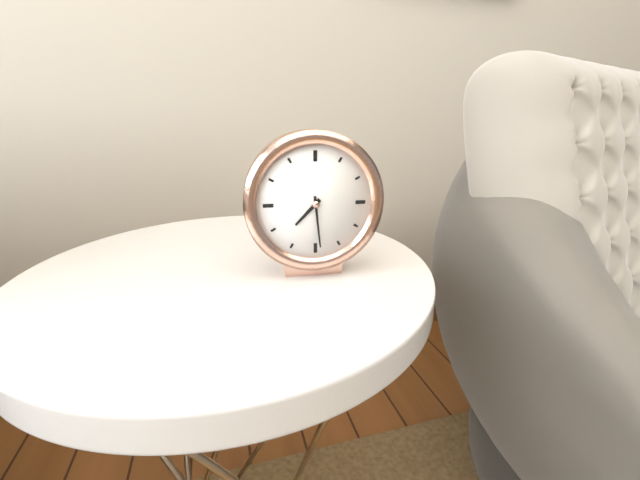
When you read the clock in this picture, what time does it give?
7:29
